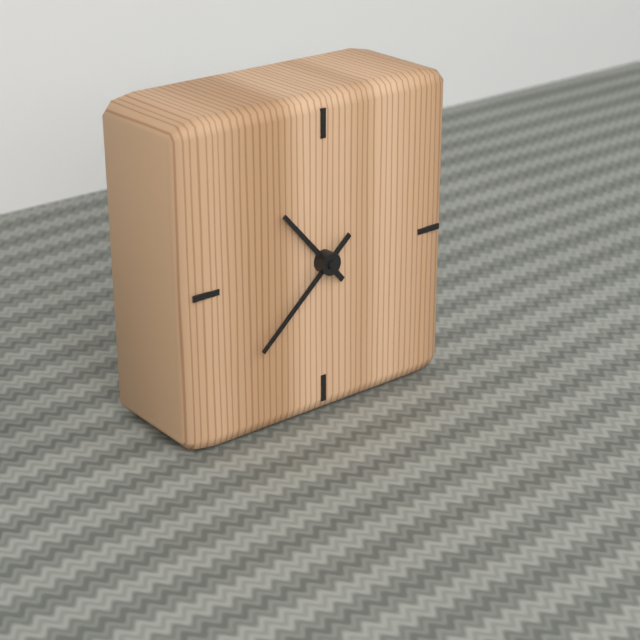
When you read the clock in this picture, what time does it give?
10:38
